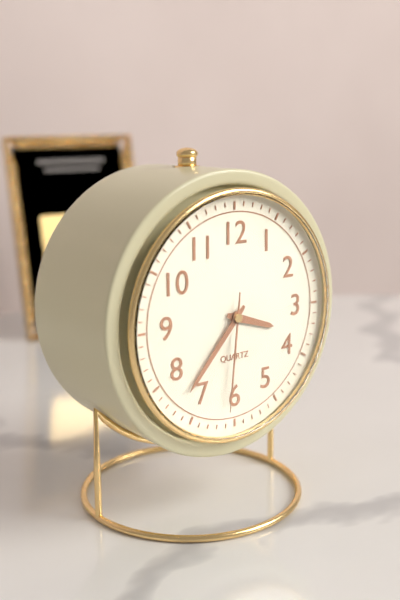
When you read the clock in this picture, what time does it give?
3:37:31
